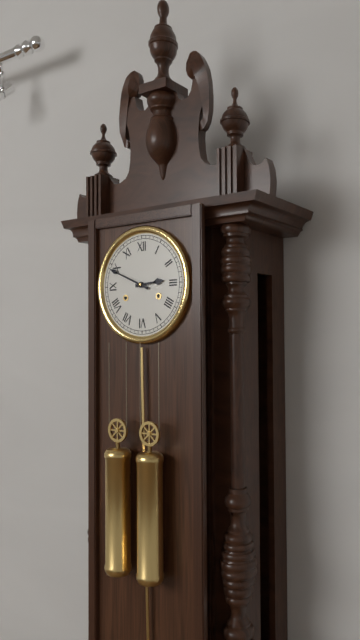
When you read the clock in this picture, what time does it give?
2:49
